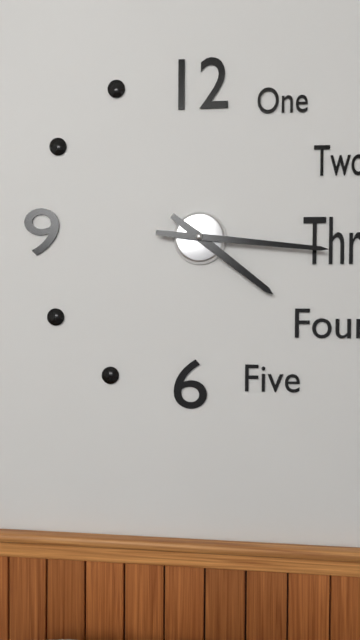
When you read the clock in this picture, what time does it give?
4:16
